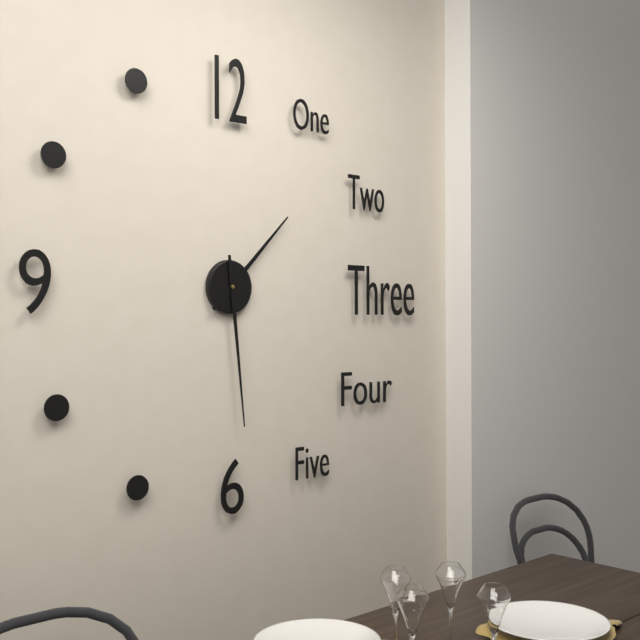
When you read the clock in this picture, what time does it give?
1:29
